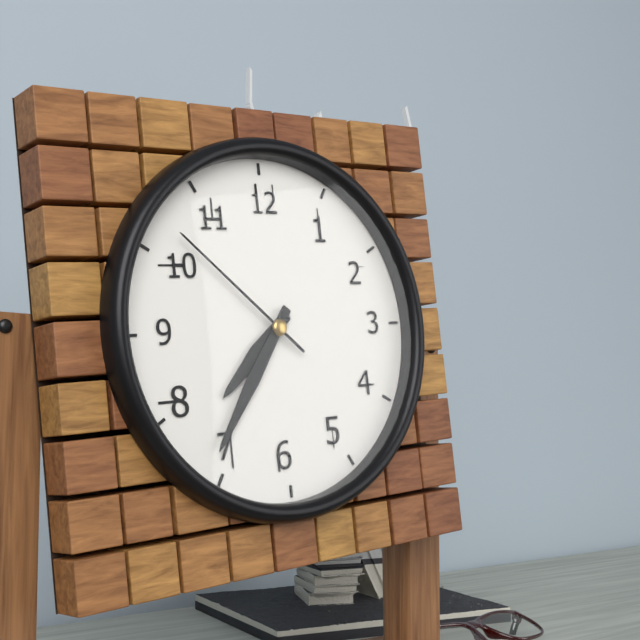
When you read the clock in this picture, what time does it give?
7:36:52
